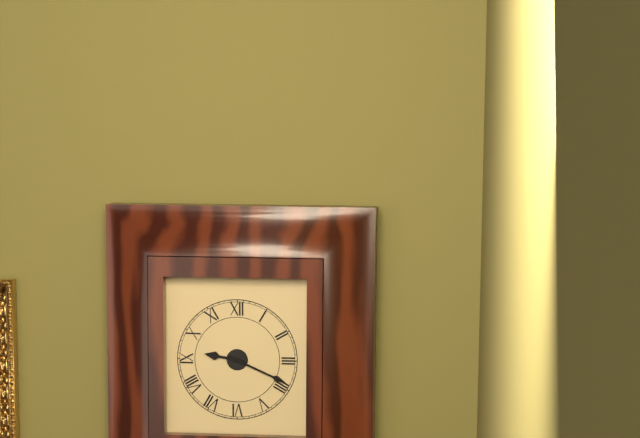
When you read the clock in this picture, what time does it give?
9:19
